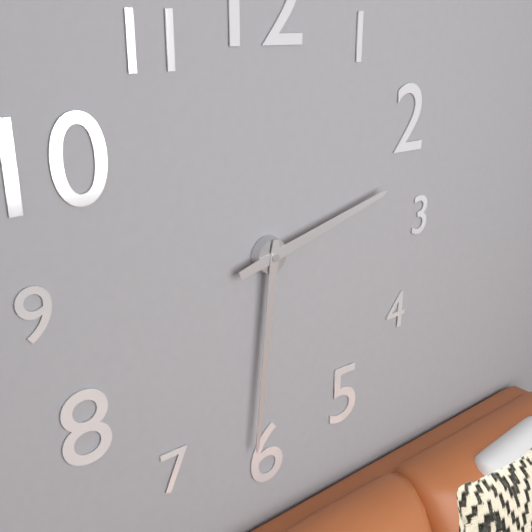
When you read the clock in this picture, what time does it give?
2:31
